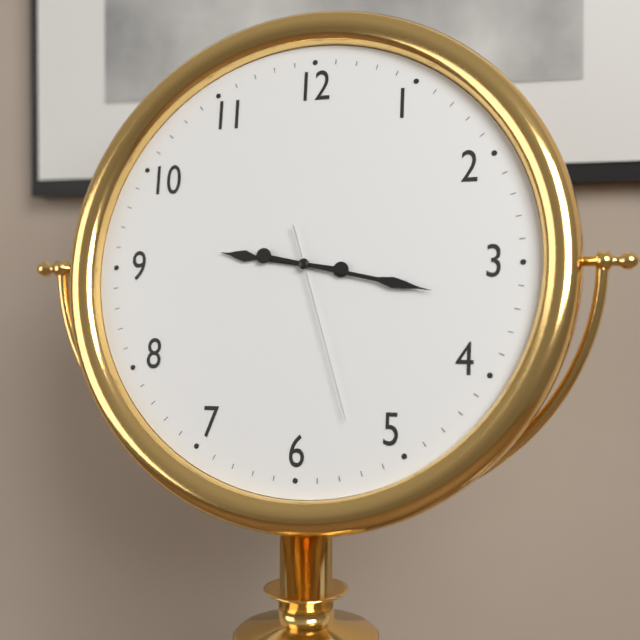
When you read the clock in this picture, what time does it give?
9:17:27
